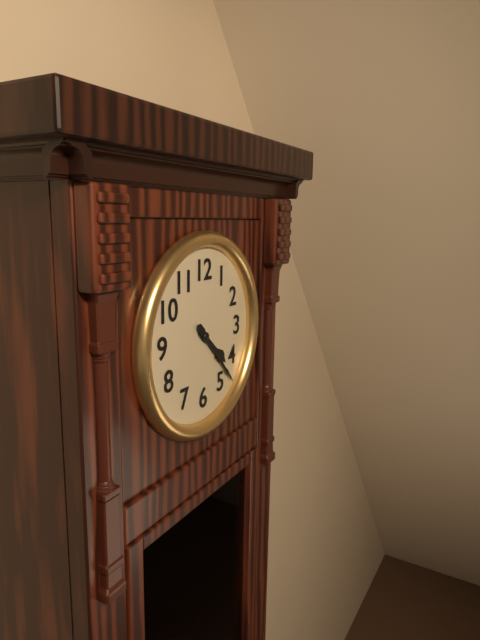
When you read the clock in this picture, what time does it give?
4:23
